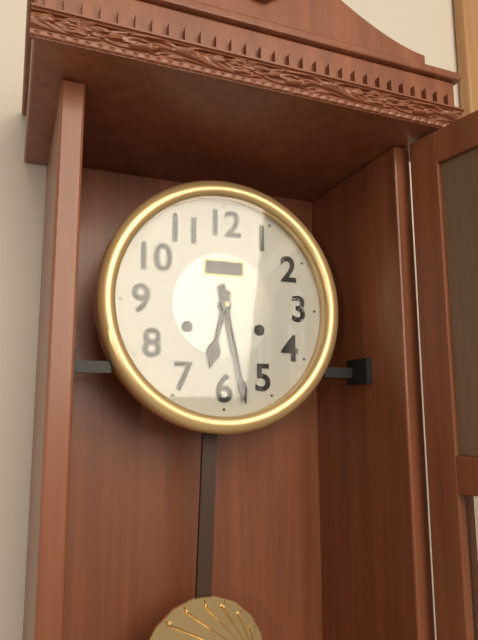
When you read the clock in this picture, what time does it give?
6:28
